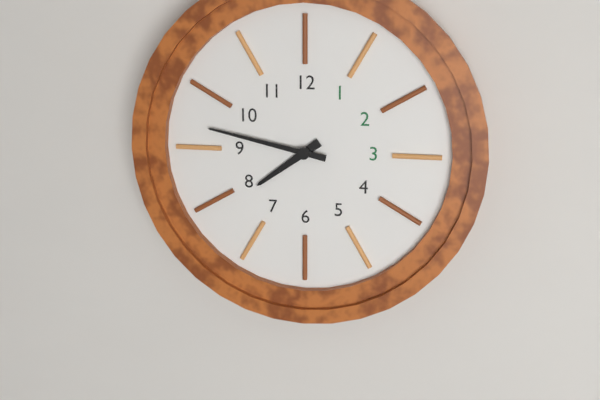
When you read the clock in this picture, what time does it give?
7:47
